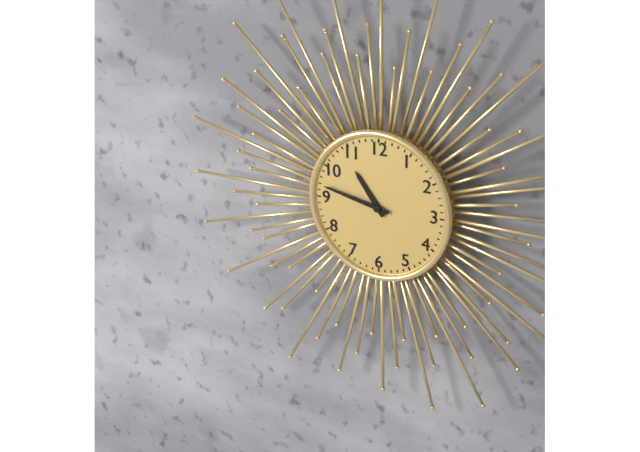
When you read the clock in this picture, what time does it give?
10:47
